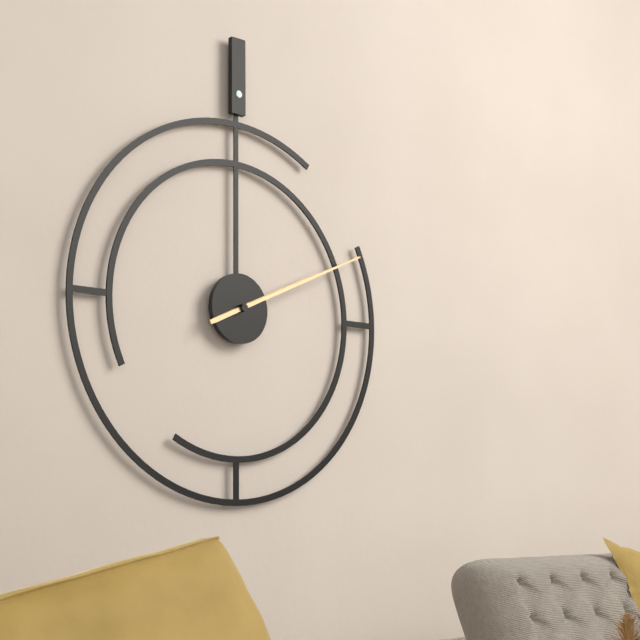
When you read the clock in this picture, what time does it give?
2:11
